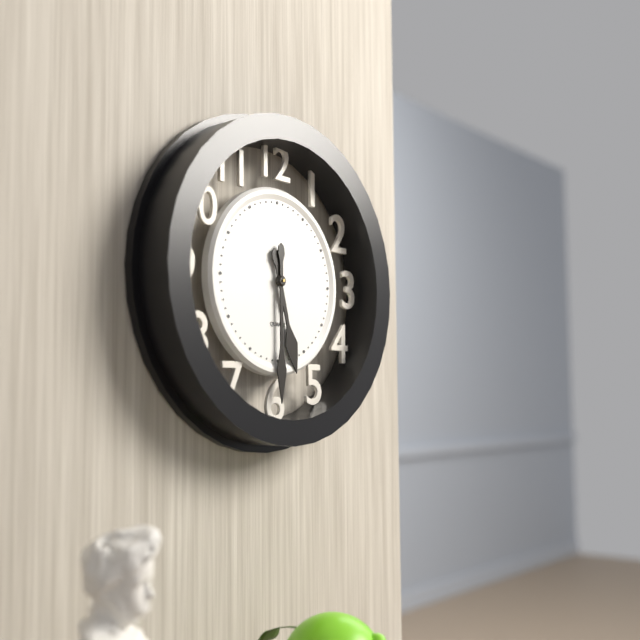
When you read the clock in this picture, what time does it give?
5:30
